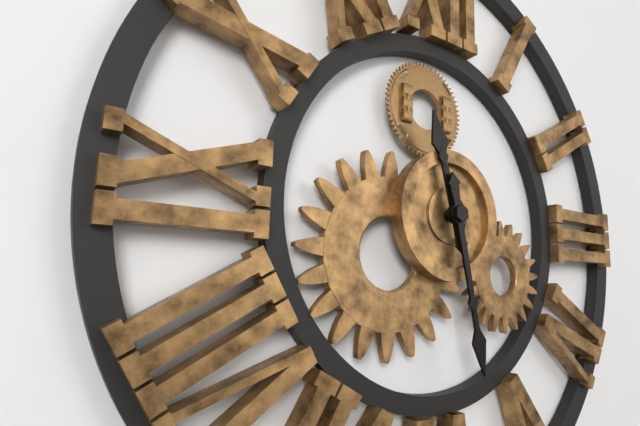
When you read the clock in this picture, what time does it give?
11:28
